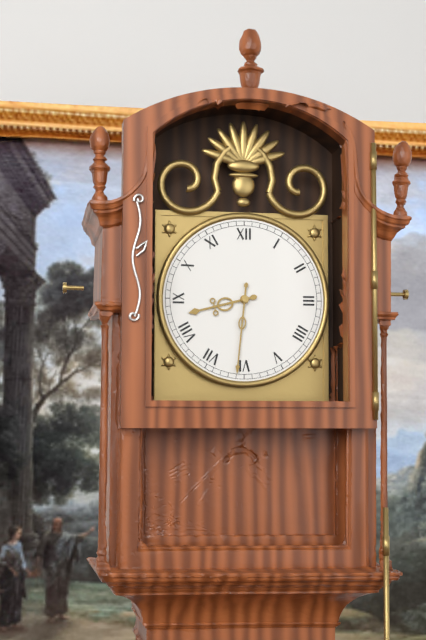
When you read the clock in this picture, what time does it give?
8:31
